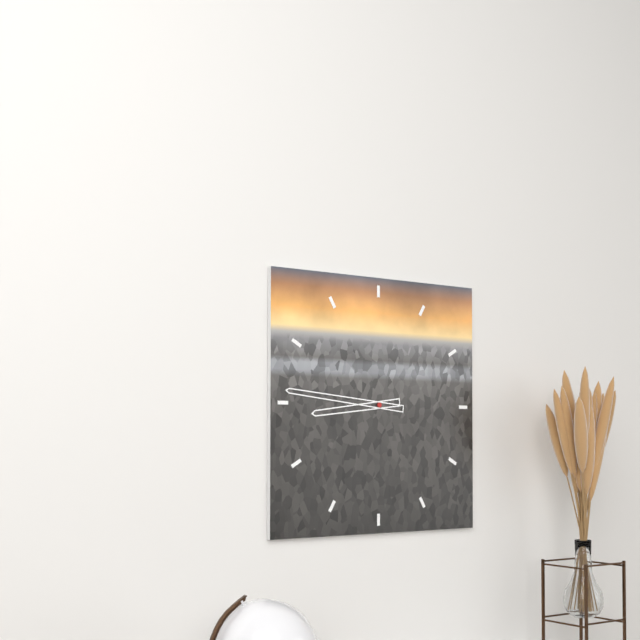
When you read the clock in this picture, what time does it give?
8:46
